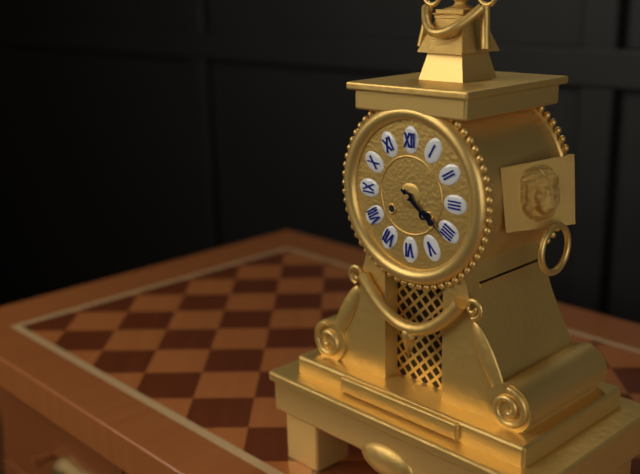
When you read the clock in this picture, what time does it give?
4:21
